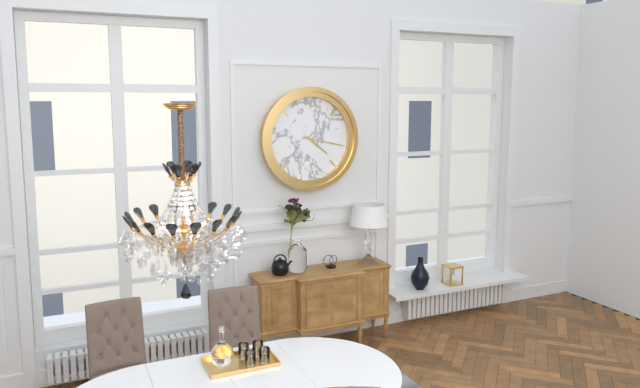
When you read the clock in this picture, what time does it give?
4:17
